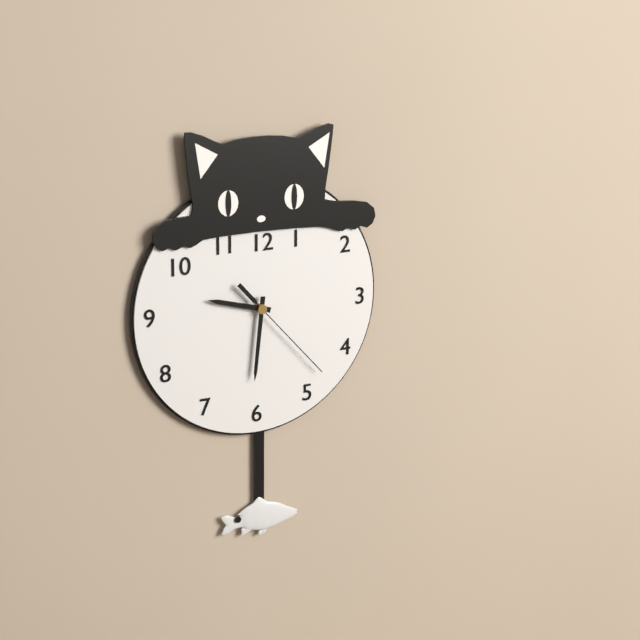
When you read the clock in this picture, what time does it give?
9:31:23
